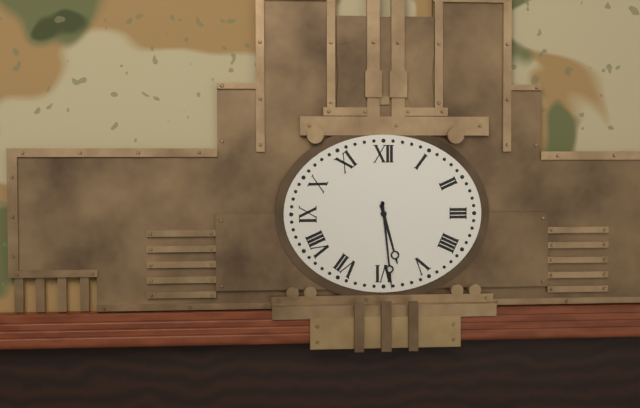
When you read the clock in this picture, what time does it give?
5:29
